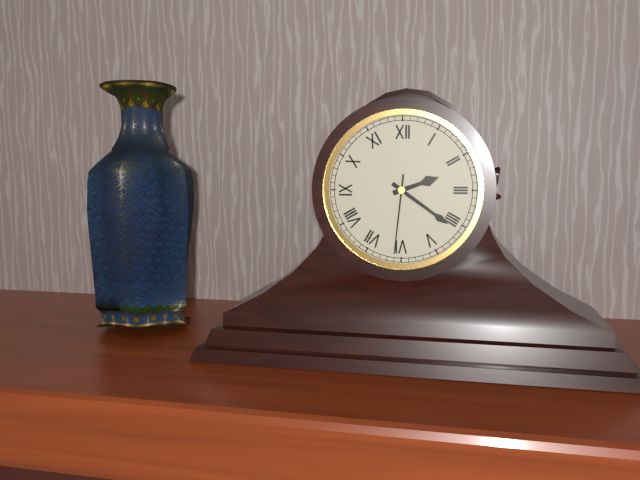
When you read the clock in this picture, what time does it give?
2:21:31
